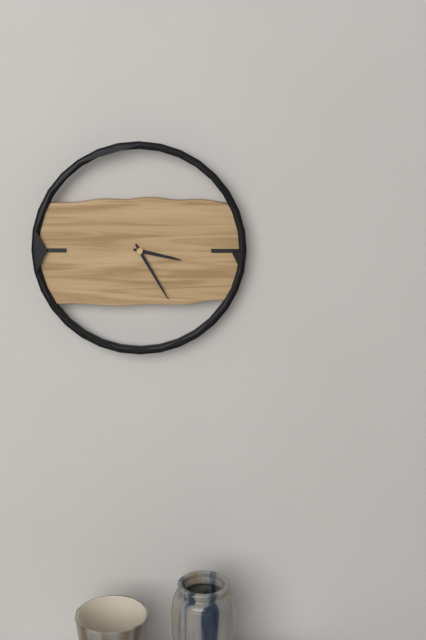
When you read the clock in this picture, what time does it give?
3:25
